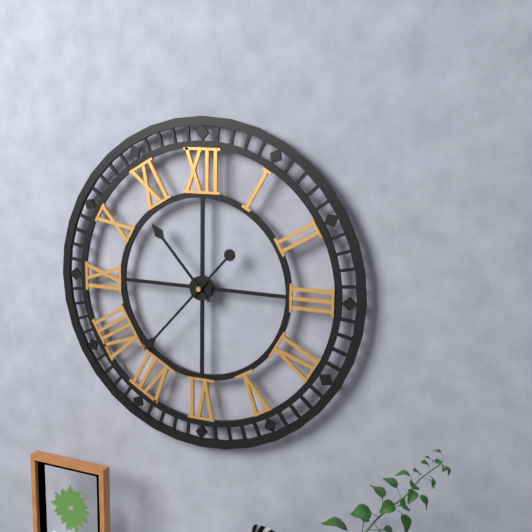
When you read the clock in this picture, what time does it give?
10:37
